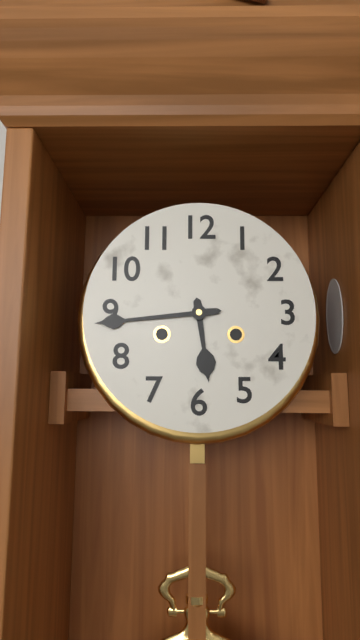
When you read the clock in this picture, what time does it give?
5:44
